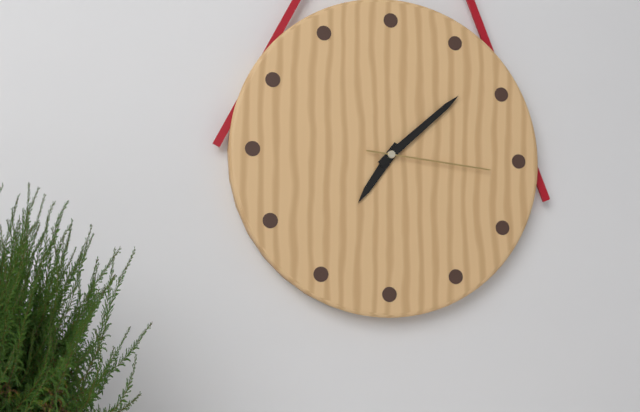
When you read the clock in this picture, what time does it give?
7:08:16
